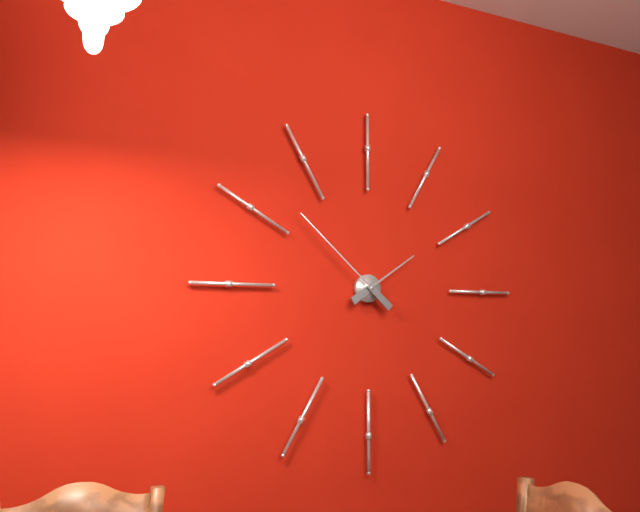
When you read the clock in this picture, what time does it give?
1:52
